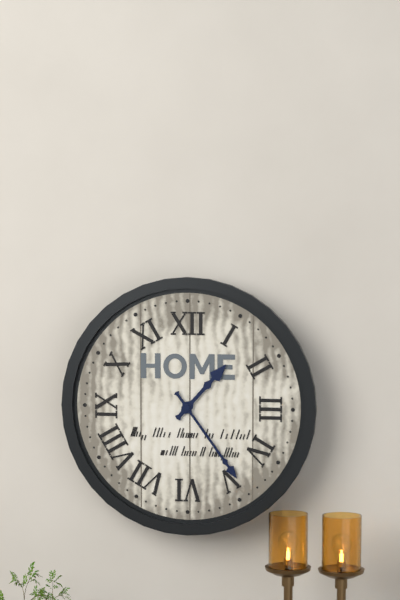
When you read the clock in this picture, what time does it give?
1:24
